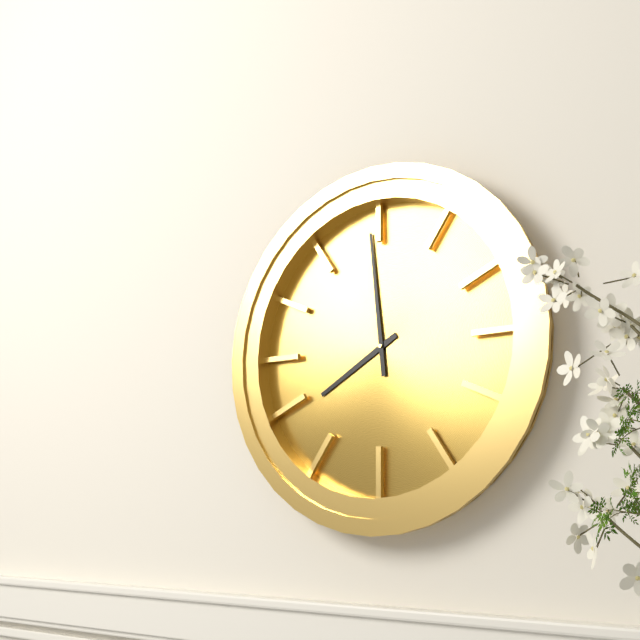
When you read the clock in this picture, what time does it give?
7:59
